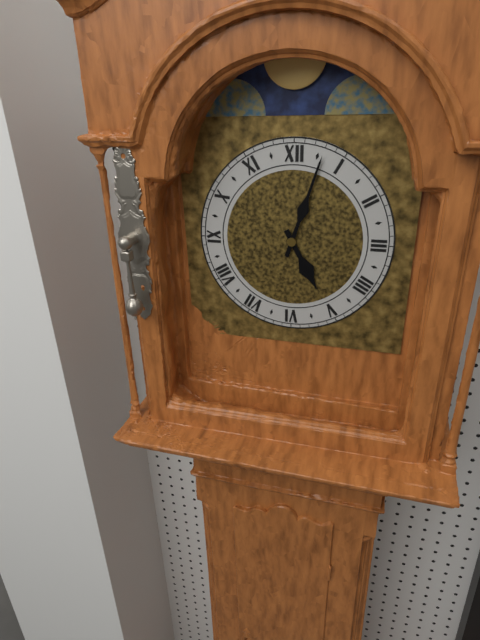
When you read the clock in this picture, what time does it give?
5:03
